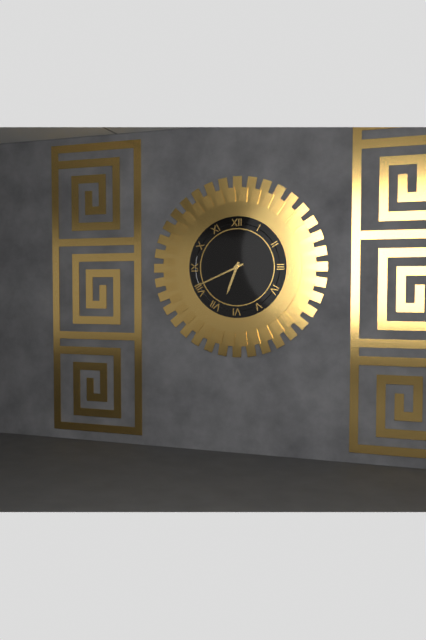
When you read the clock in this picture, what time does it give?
6:41
